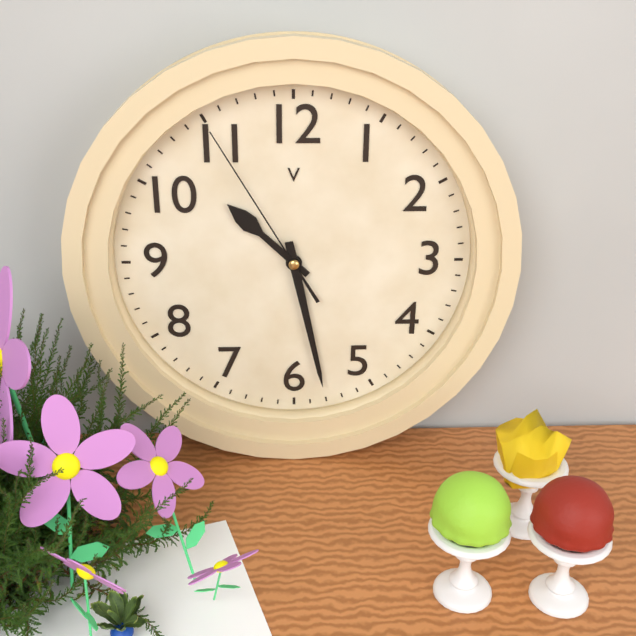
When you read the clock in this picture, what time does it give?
10:28:55
